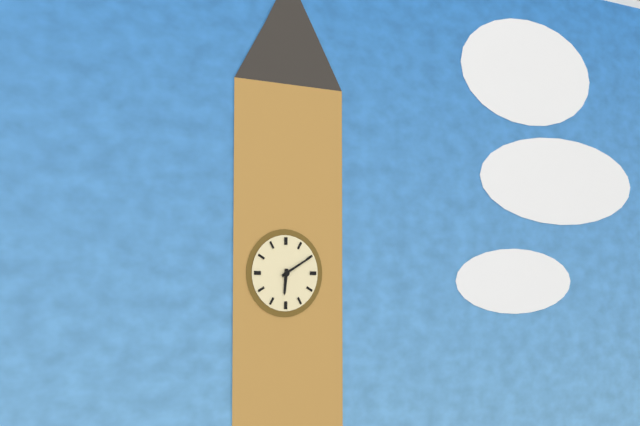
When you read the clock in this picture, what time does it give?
6:10
